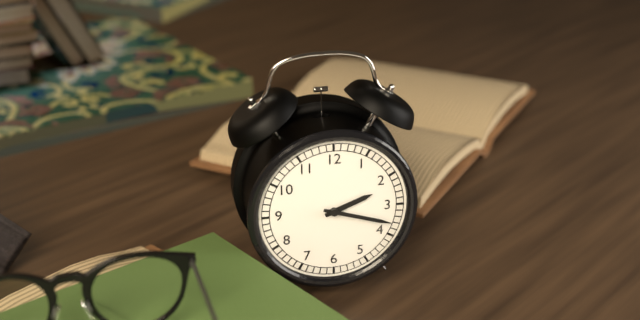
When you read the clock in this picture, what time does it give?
2:18
